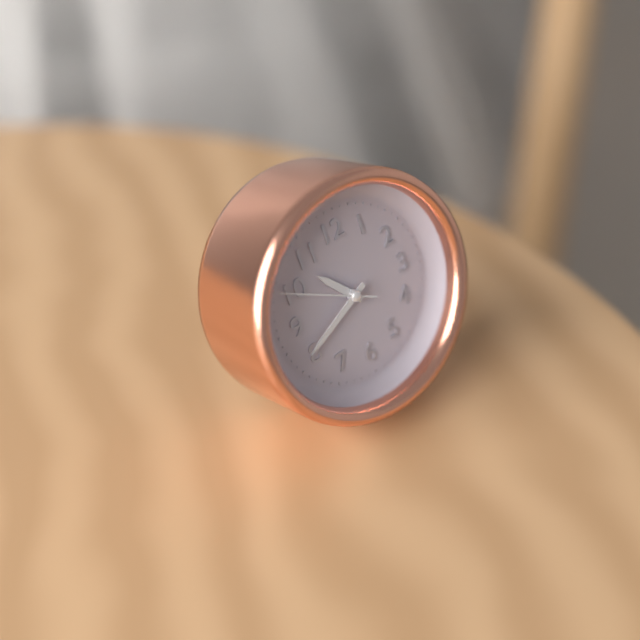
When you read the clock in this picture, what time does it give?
10:41:50
